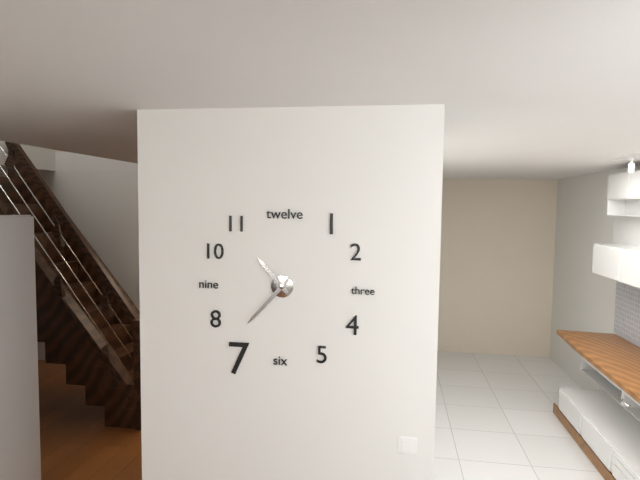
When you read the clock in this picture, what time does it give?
10:37
